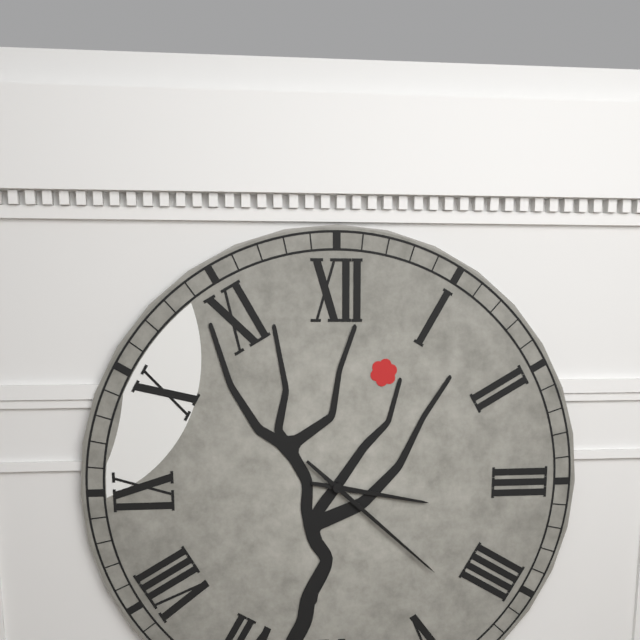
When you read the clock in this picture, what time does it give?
3:22
